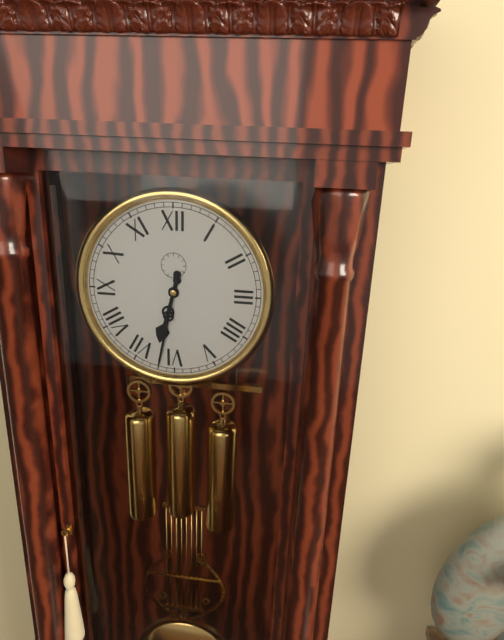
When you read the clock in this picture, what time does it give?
6:32
